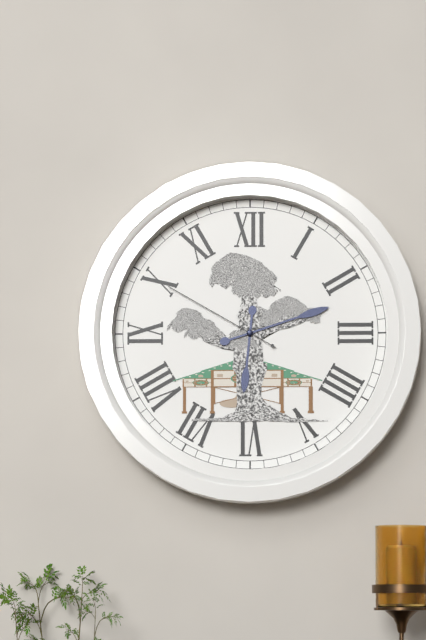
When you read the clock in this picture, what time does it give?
6:12:50
